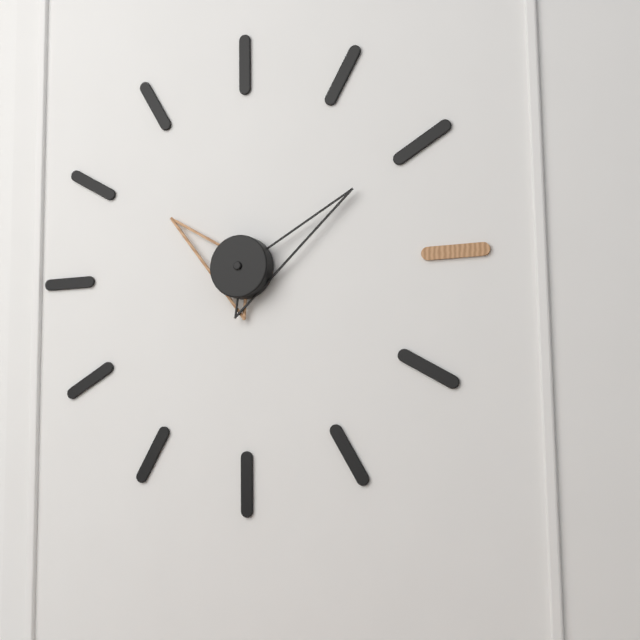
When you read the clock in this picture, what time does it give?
10:10
